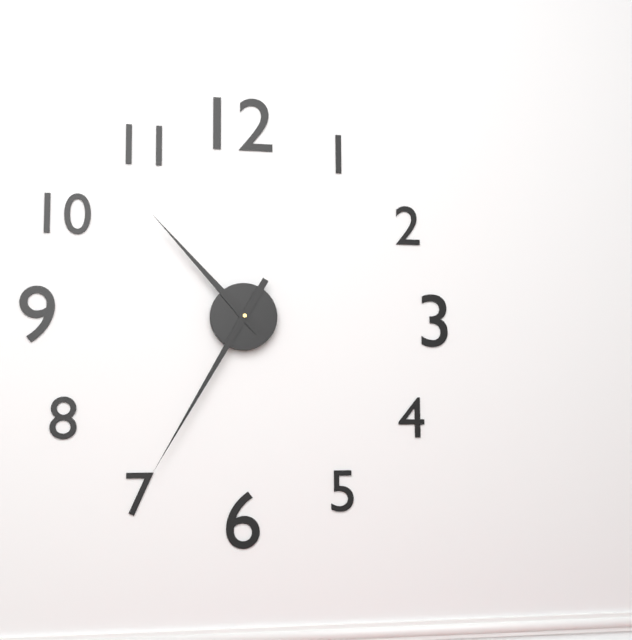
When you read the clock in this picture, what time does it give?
10:35
